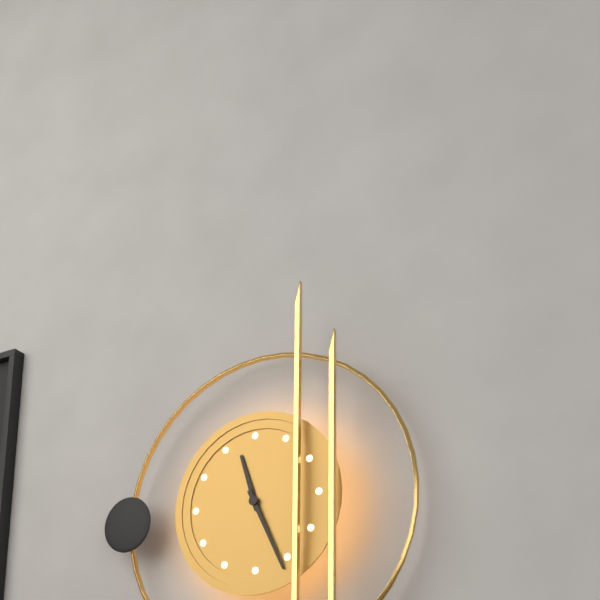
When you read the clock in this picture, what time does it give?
11:26
